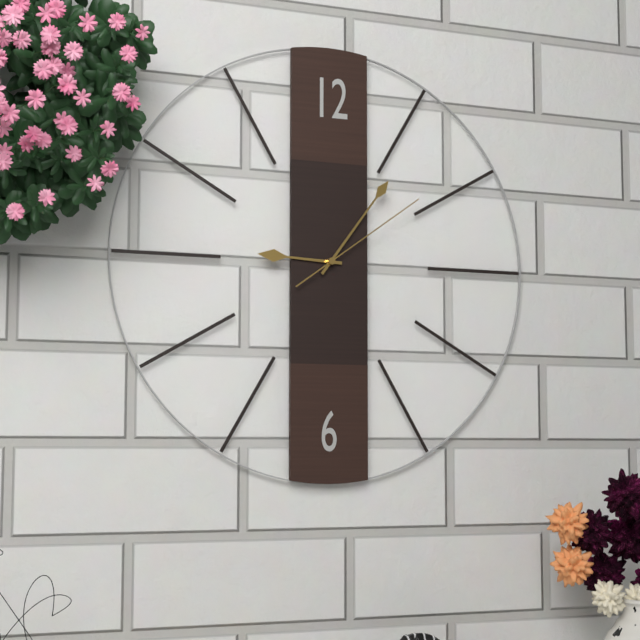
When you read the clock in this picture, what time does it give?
9:06:09
